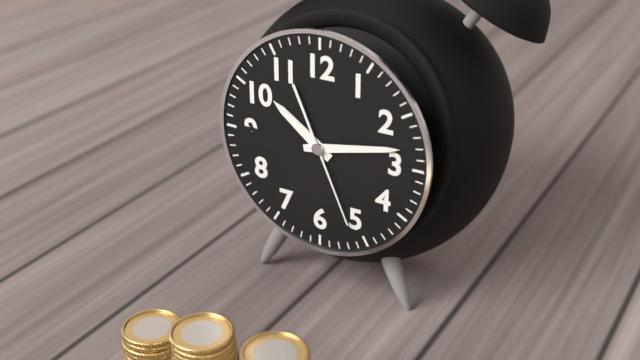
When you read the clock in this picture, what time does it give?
10:13:26
